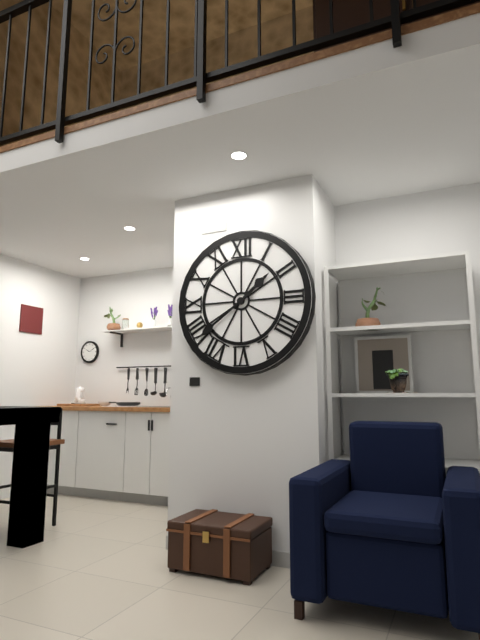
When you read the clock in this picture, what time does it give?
1:39
